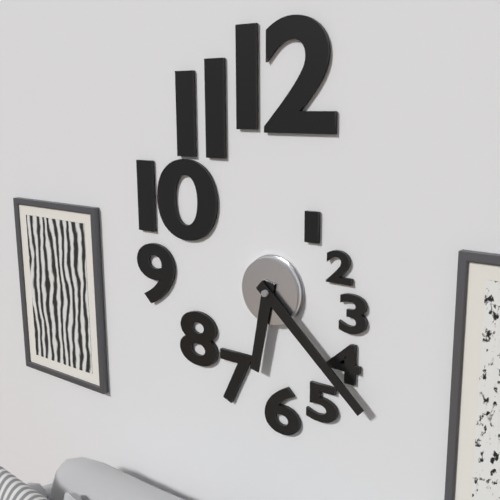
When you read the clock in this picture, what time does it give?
6:22
